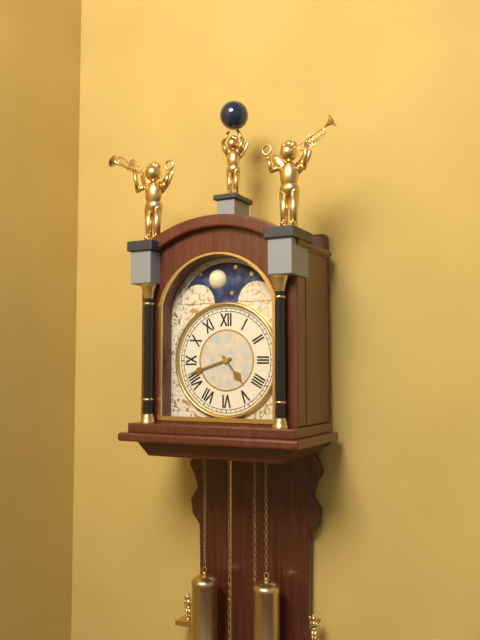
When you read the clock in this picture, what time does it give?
4:42
